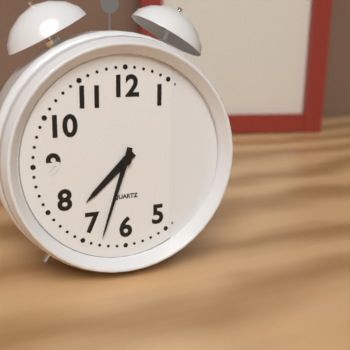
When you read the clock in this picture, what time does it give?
7:33
